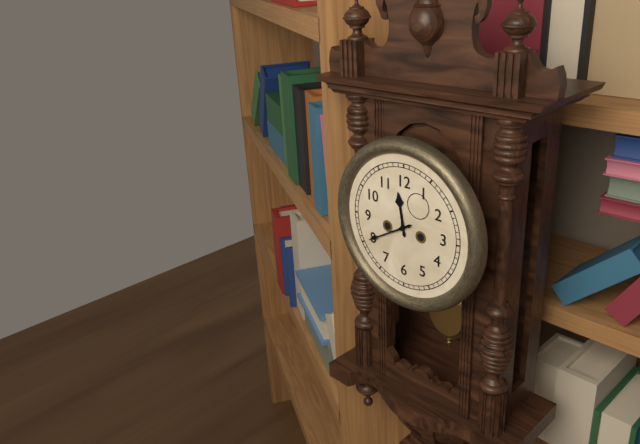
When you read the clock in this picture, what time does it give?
11:40
